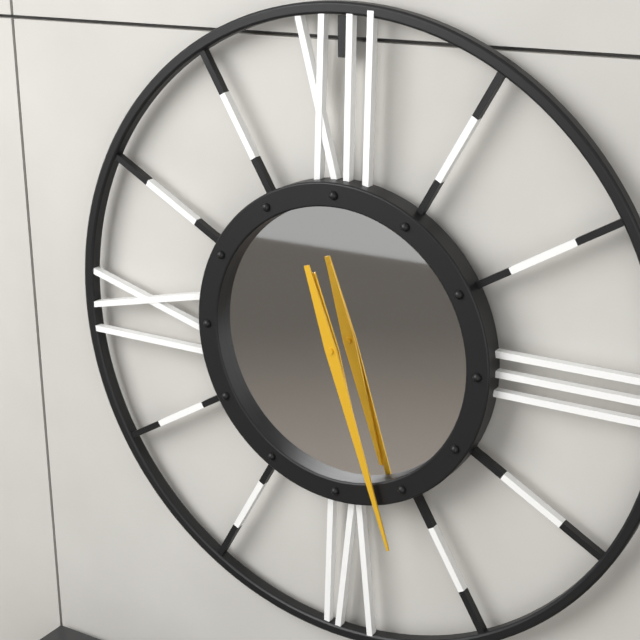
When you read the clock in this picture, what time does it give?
5:27
